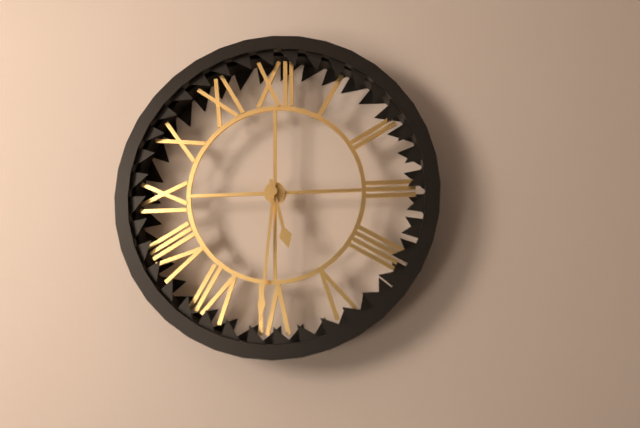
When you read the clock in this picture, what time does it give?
5:31
